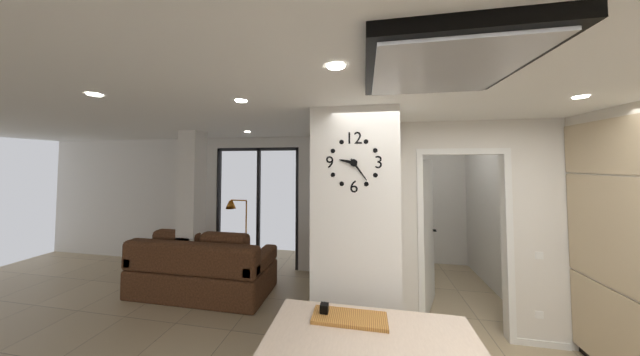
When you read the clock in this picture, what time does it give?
9:24
